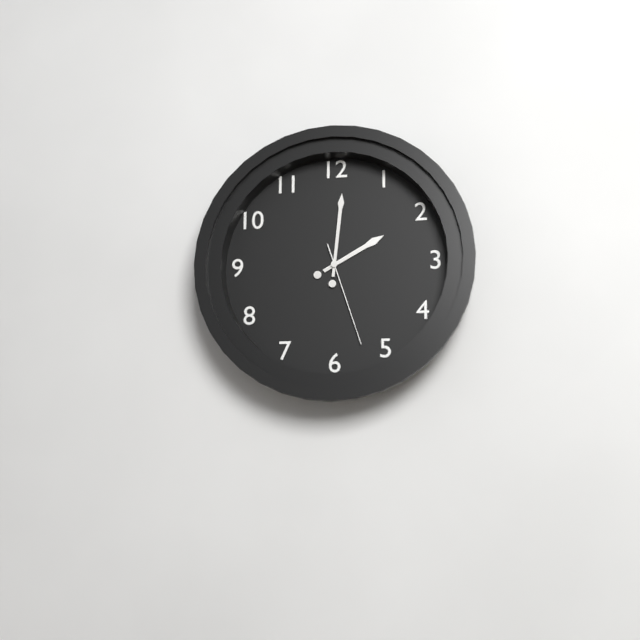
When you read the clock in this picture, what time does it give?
2:01:27
